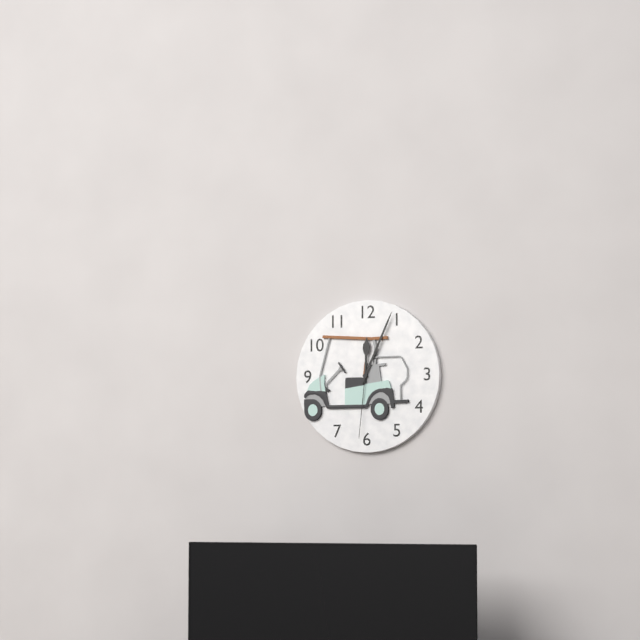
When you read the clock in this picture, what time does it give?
12:04:31
